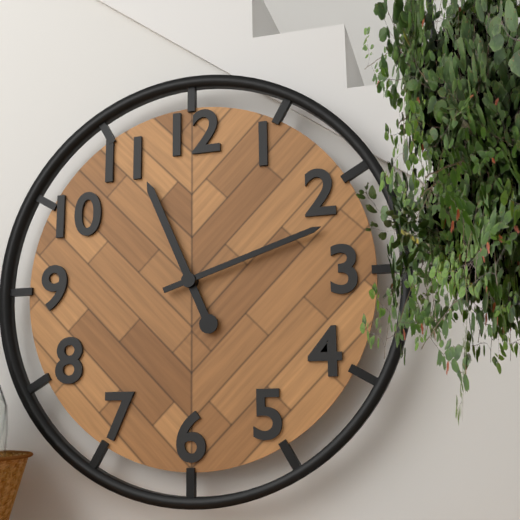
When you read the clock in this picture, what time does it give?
11:12
